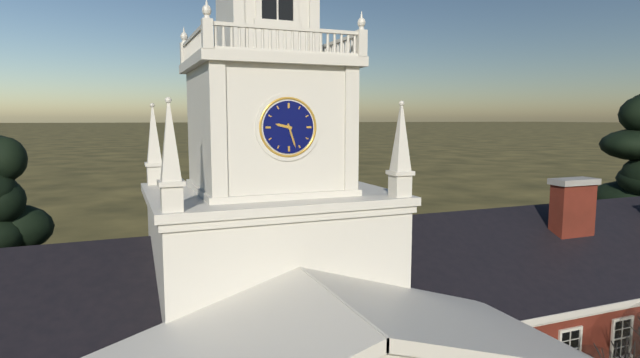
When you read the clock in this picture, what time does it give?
9:27
